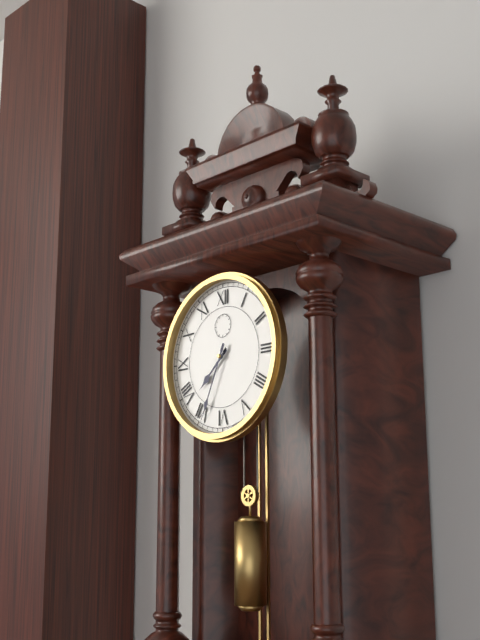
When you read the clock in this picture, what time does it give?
7:34
